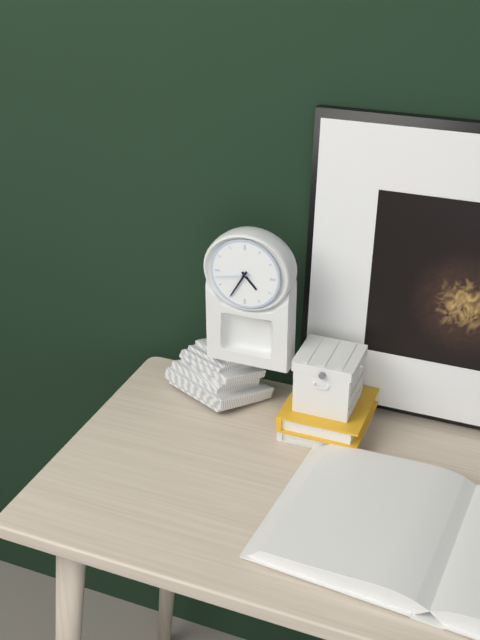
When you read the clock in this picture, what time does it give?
4:35
